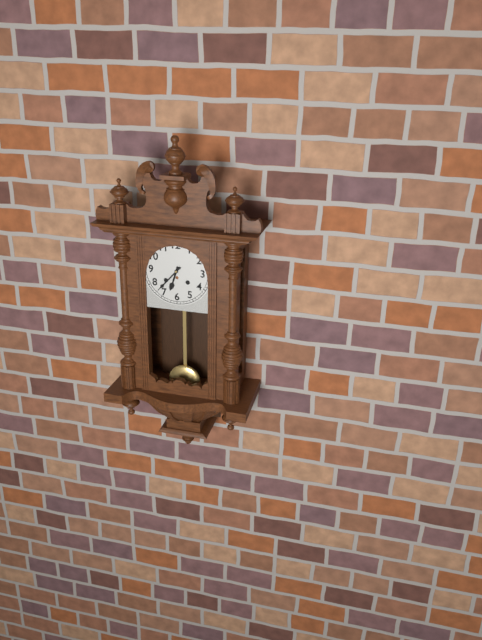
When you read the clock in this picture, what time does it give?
6:37
